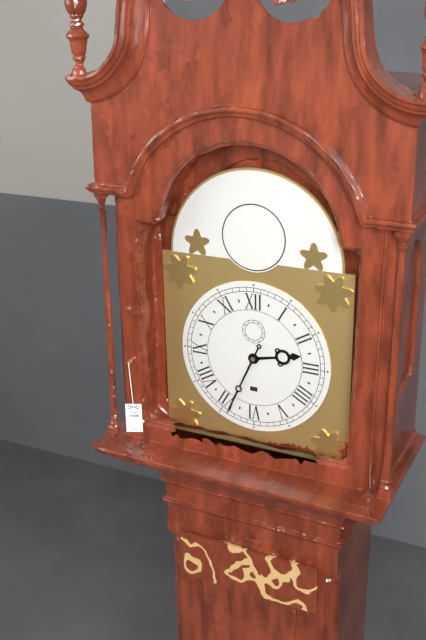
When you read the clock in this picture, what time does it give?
2:34
